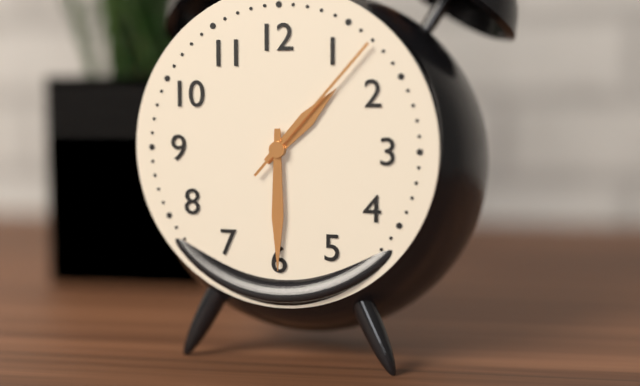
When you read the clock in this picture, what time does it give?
1:30:07
